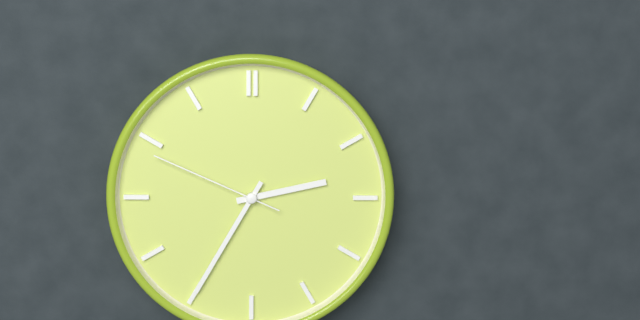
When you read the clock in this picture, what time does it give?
2:35:49
